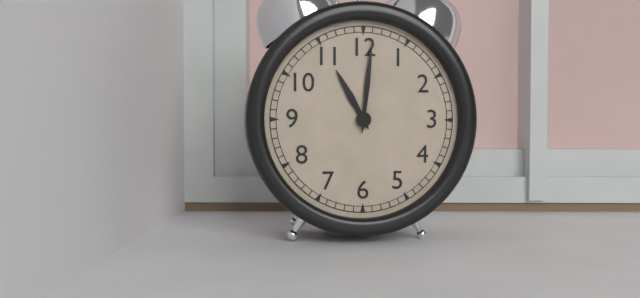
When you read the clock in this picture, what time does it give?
11:01
